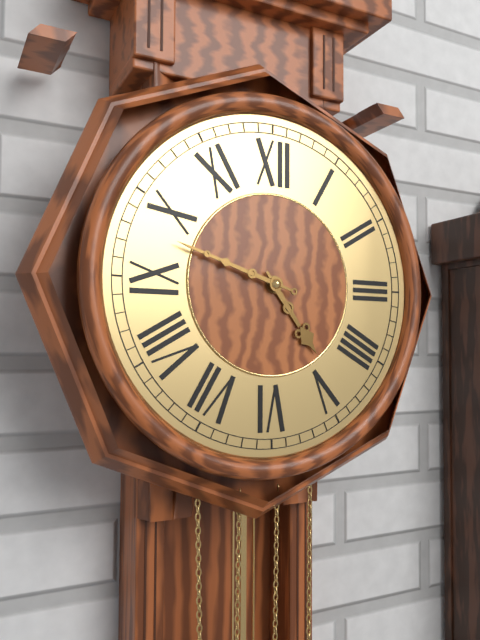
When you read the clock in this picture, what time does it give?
4:48
